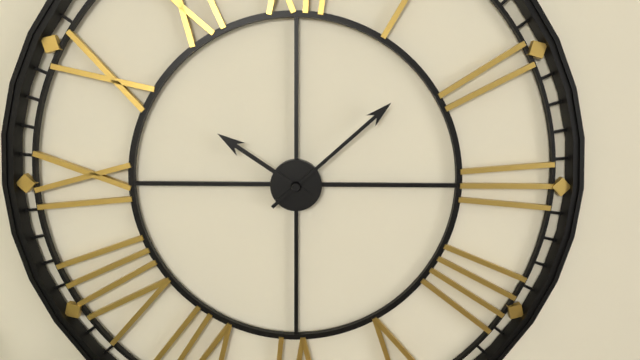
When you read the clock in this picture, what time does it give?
10:08
